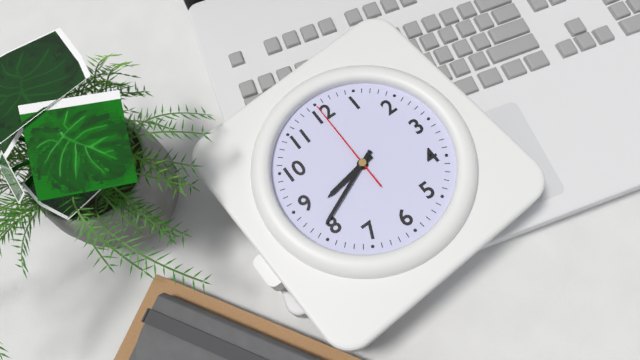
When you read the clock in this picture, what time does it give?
8:41:00
